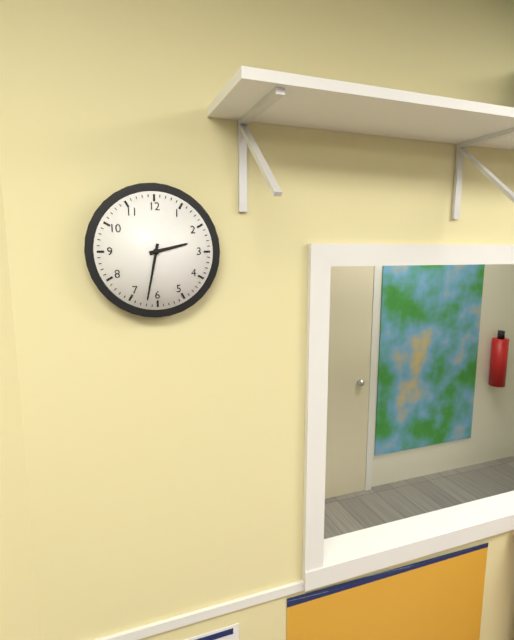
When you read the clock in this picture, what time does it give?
2:32
